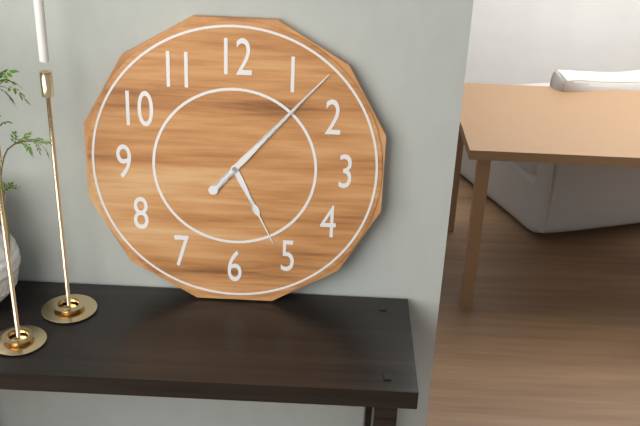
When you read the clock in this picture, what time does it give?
5:07
